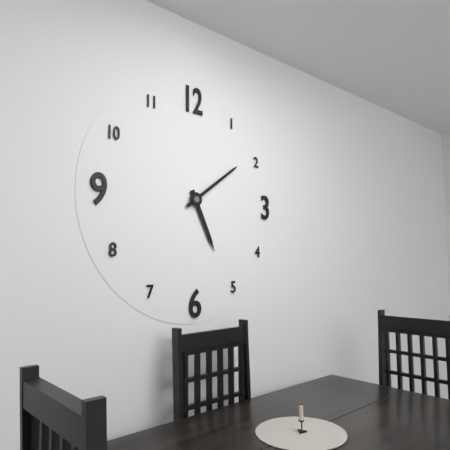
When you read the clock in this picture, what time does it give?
5:09
